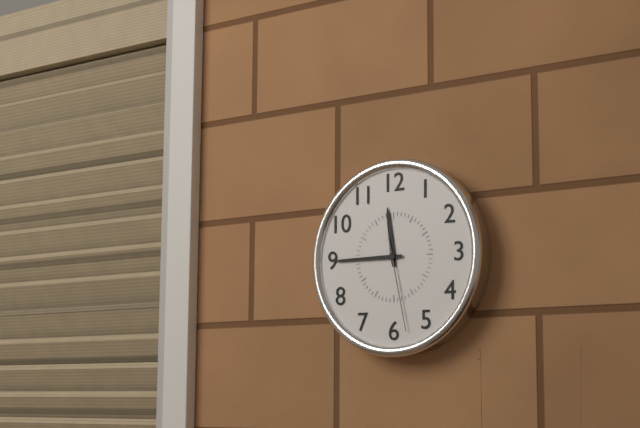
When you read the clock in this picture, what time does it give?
11:45:28
